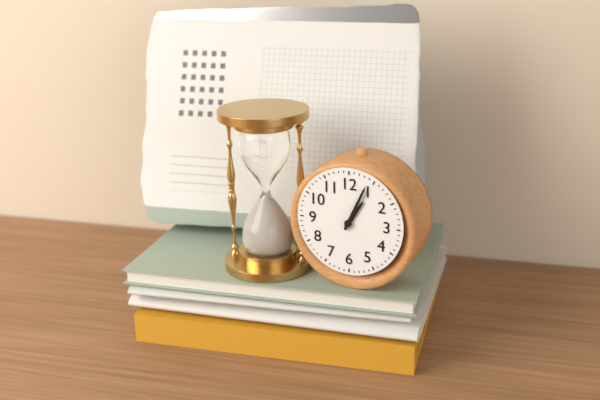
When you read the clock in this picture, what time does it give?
1:04
